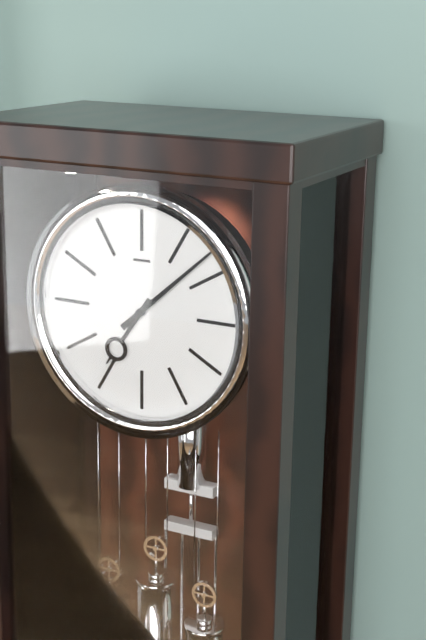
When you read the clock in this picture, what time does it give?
7:08
